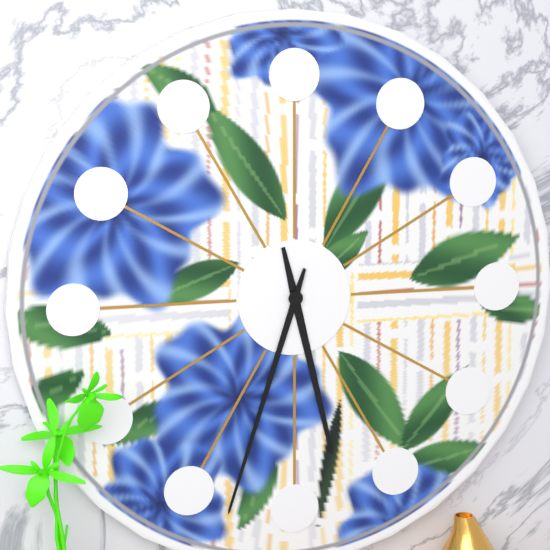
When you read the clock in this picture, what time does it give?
5:33
